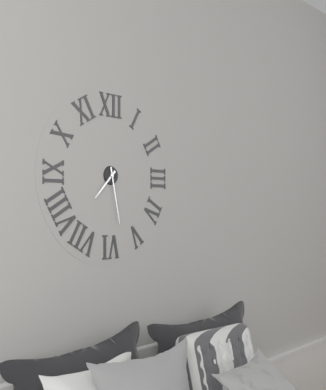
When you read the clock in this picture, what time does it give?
7:28
